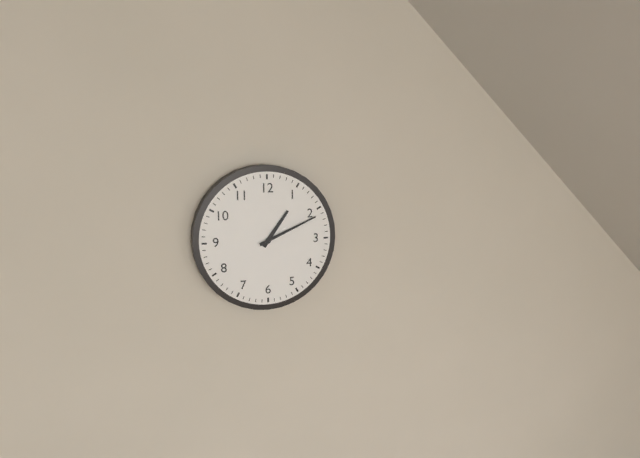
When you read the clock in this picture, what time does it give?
1:11
